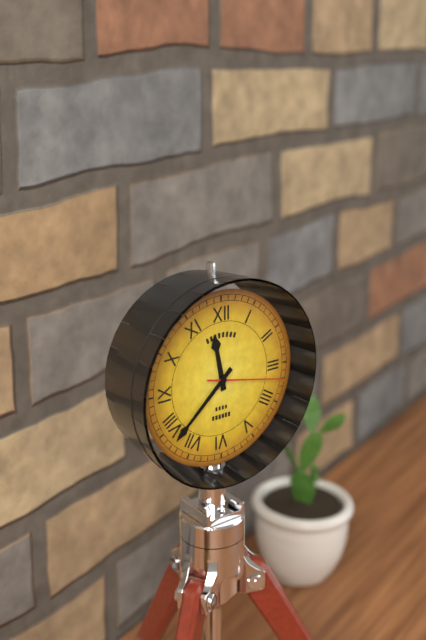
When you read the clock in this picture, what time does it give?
11:38:17
